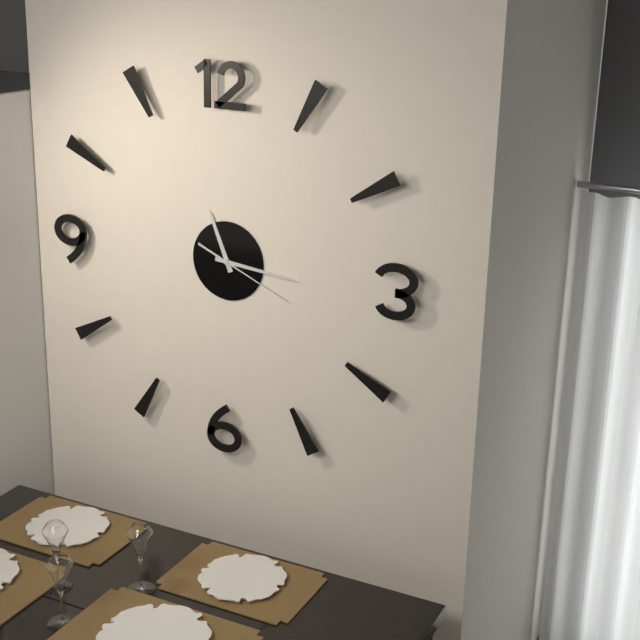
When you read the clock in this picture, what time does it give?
11:16:19
